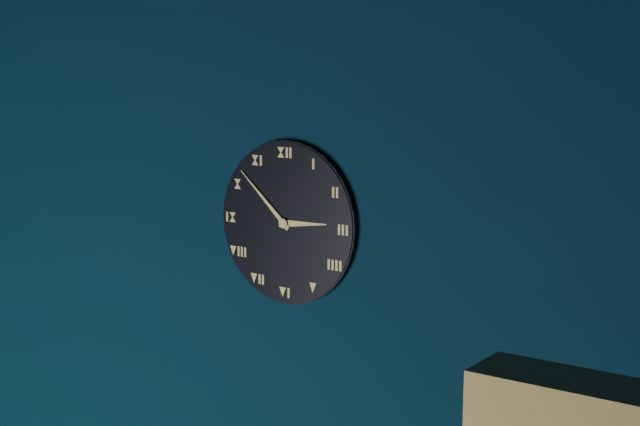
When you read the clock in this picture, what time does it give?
2:52
